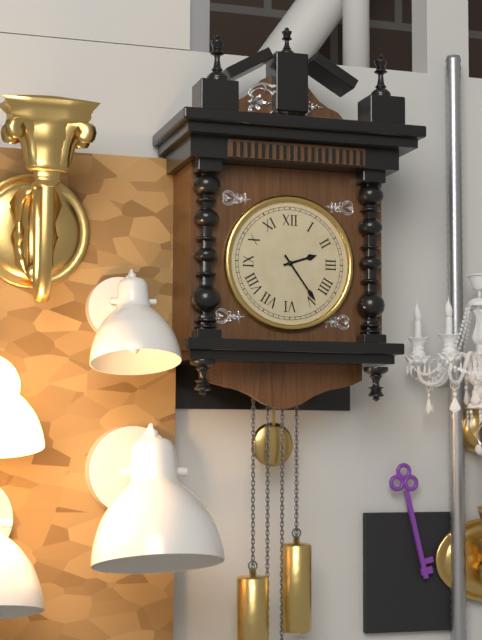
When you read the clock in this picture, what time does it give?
2:24
